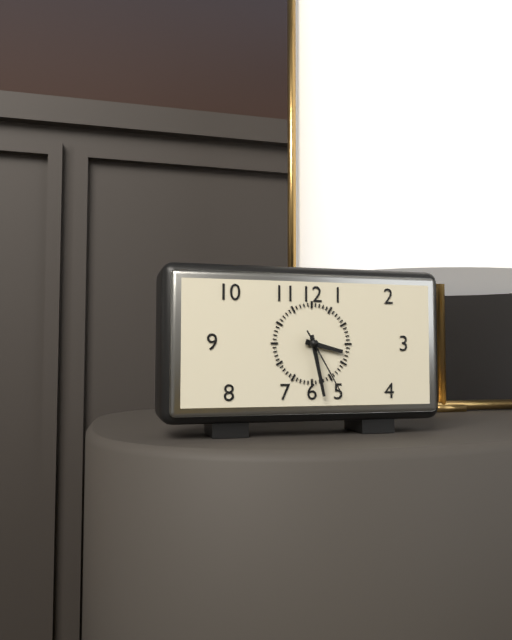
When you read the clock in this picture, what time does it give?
3:28:25
